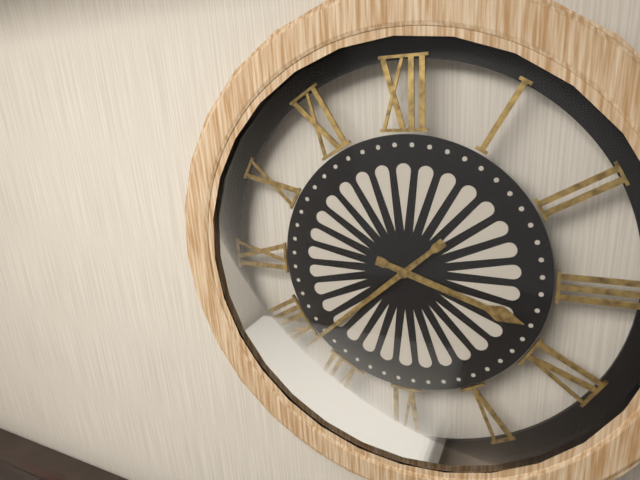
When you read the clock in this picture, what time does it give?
3:38
